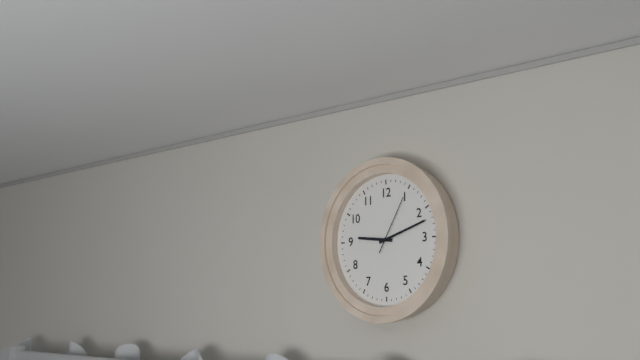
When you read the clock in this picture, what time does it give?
9:12:05
